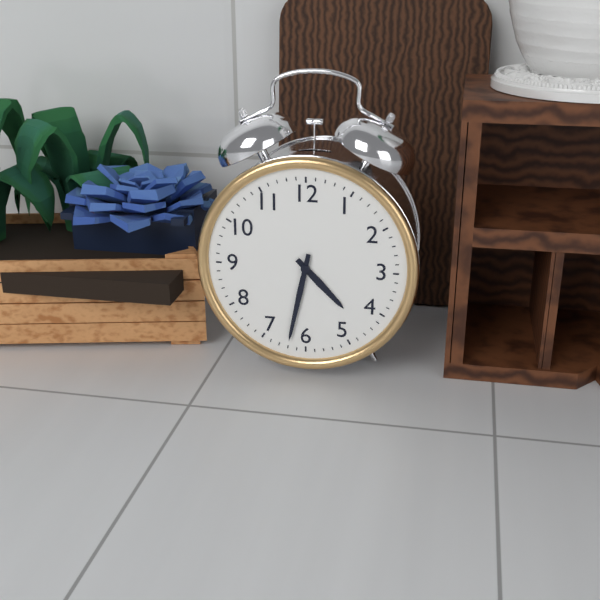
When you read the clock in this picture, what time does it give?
4:32
